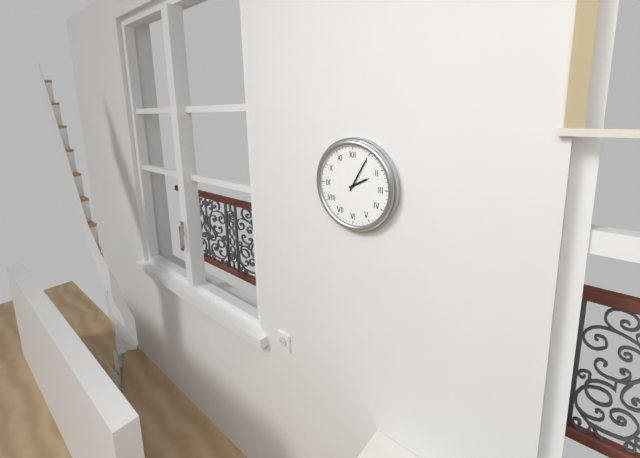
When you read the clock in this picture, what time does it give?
2:05
